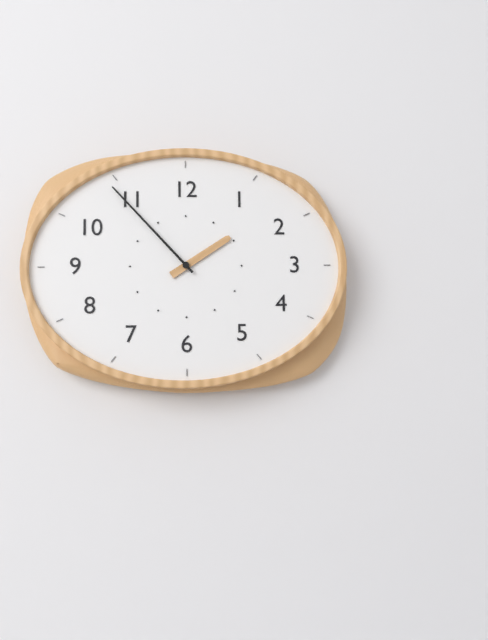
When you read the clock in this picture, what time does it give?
1:53
